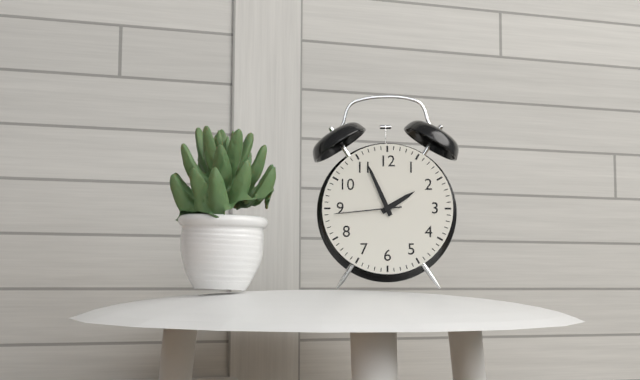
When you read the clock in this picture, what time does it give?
1:56:44
